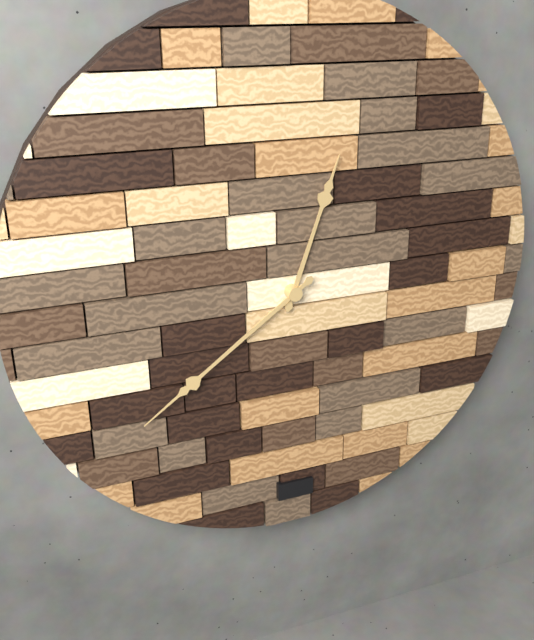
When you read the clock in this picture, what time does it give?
12:39
